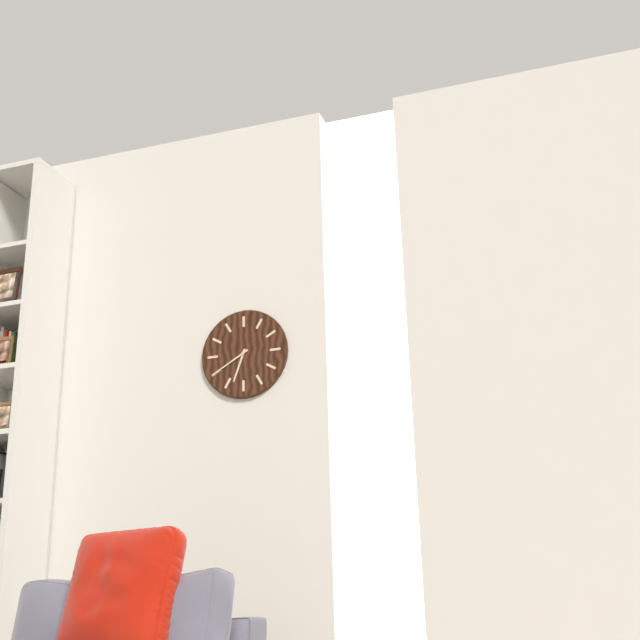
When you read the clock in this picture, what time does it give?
6:40
